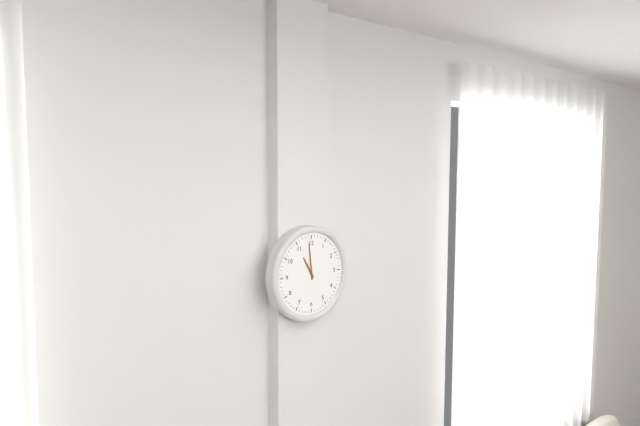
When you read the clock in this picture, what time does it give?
10:59
